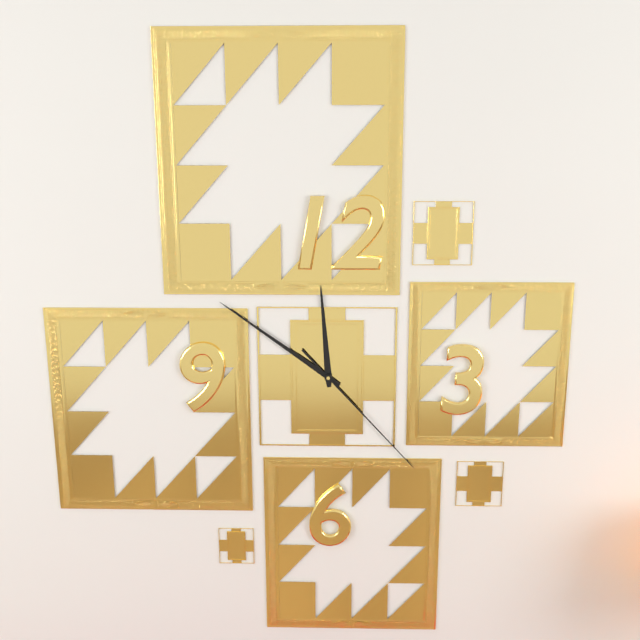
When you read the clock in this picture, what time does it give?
11:51:23
